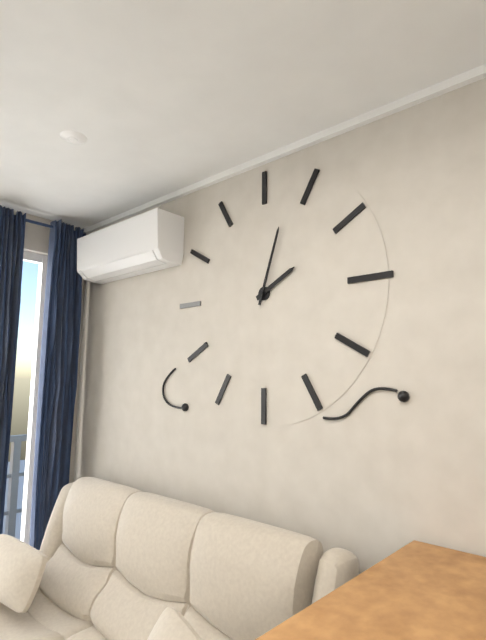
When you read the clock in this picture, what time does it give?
2:03
